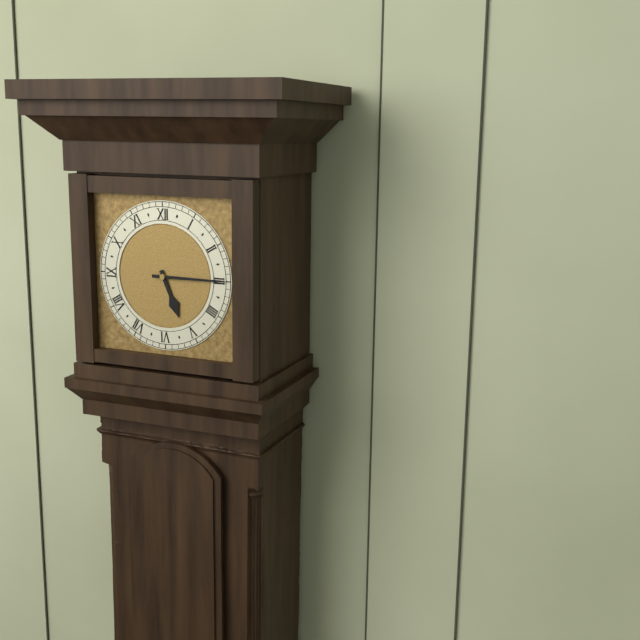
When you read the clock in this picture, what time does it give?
5:15
